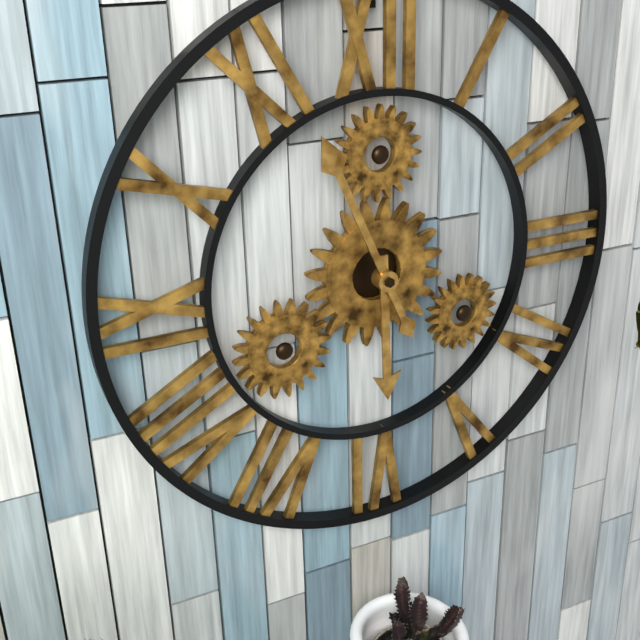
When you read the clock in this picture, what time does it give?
5:56
